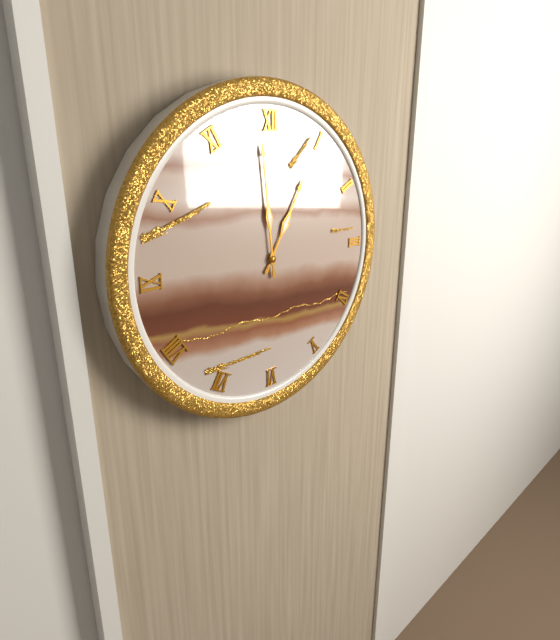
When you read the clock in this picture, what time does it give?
12:59
